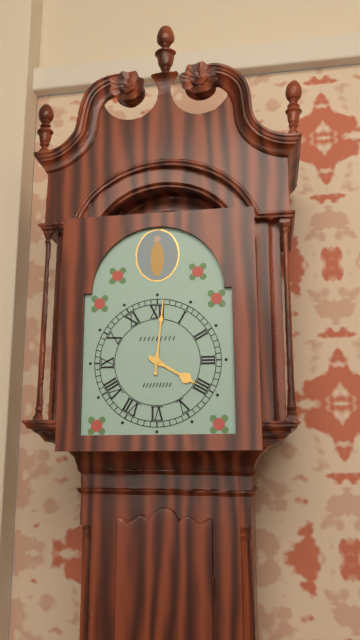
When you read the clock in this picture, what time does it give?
4:01
